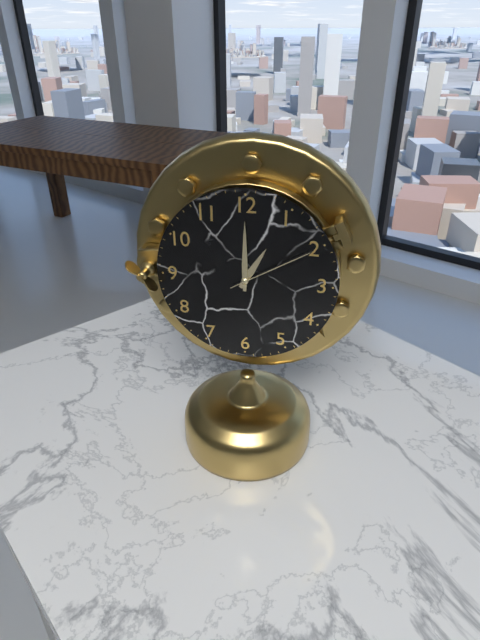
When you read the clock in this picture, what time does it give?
1:00:10
